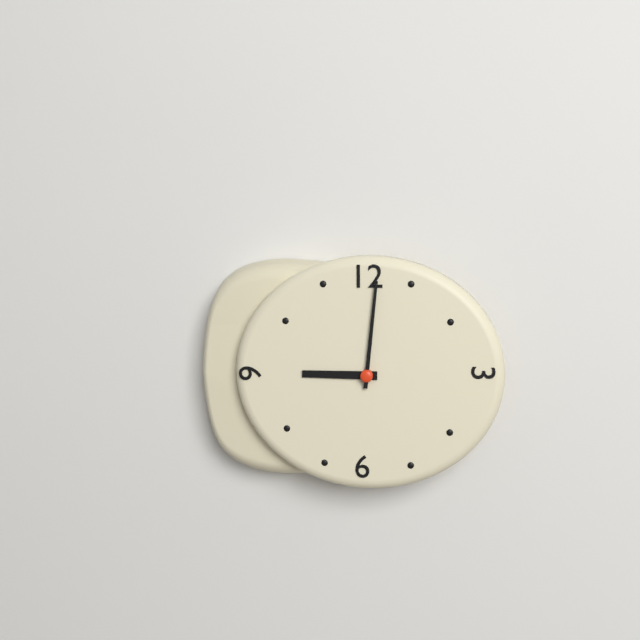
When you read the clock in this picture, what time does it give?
9:01
